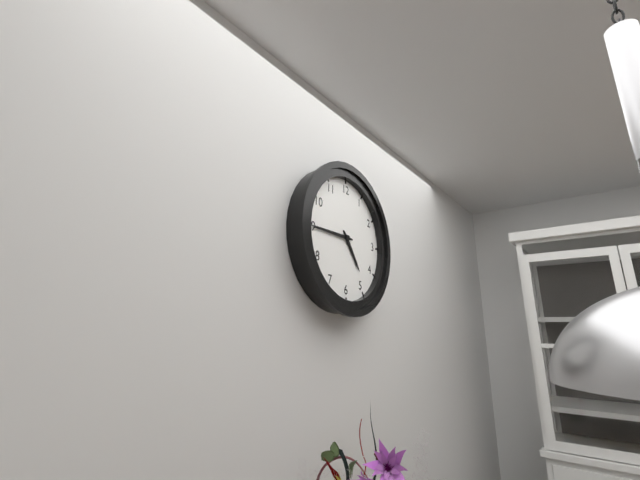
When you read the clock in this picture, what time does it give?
4:45
